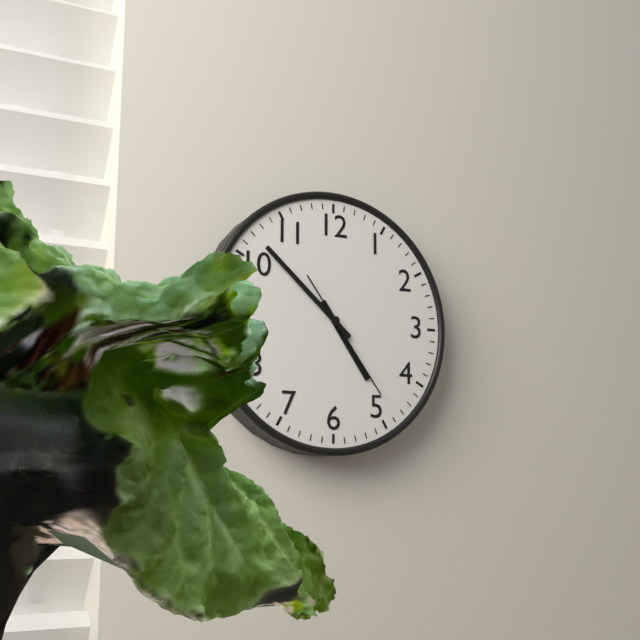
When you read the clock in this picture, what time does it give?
4:52:24
